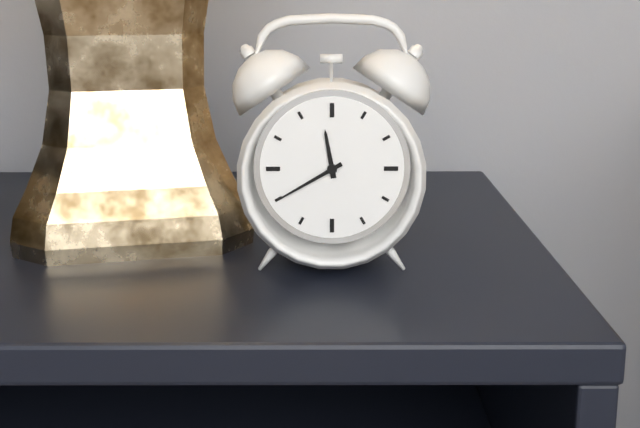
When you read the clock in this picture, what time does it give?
11:40
